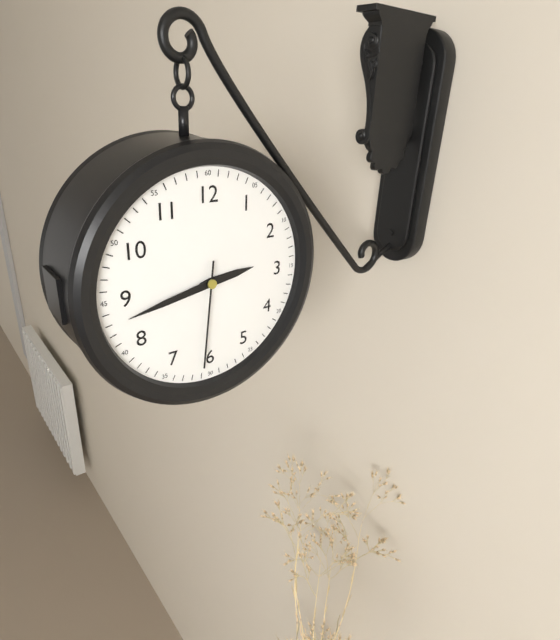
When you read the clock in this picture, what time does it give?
2:43:31
